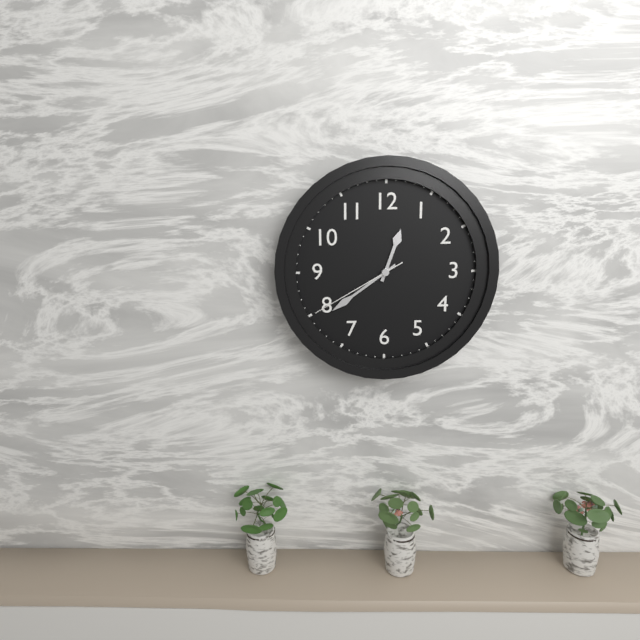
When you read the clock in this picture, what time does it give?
12:39:40
